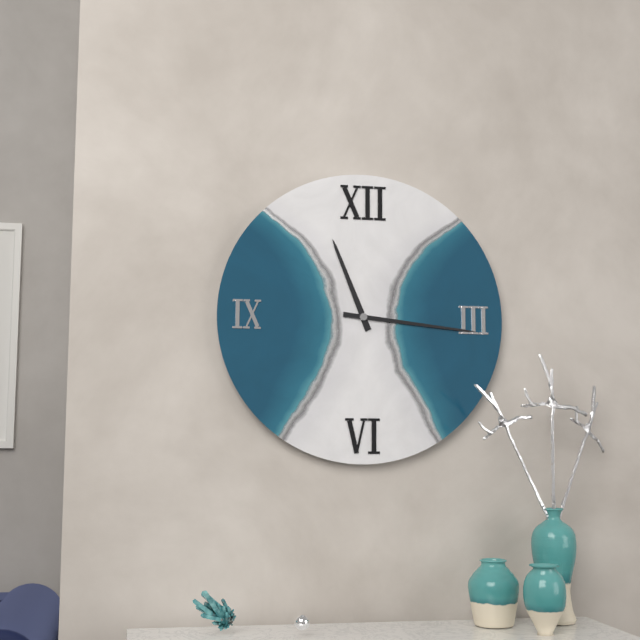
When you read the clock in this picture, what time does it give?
11:16
